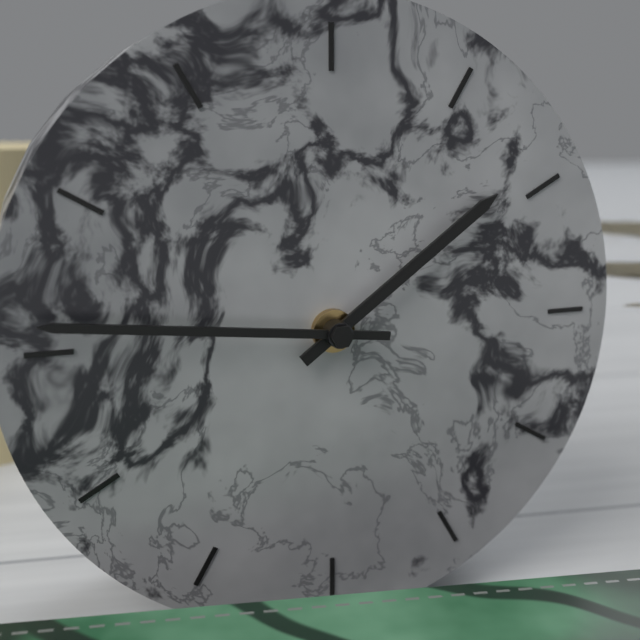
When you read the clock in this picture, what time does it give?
1:46
